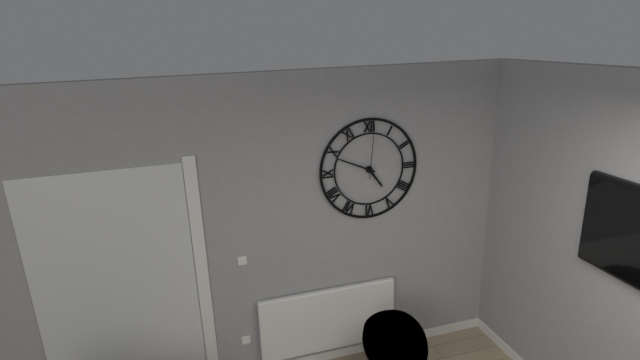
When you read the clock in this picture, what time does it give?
4:49:01
